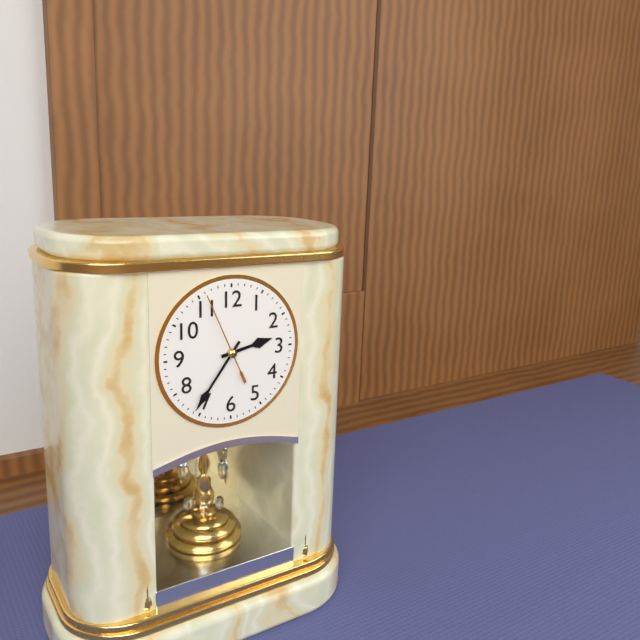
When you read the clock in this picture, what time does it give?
2:36:56
